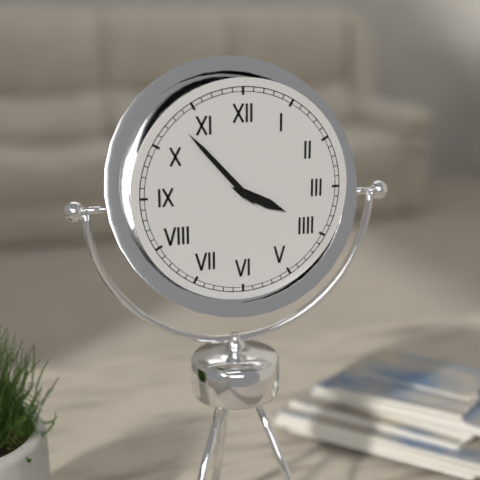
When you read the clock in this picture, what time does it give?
3:53
